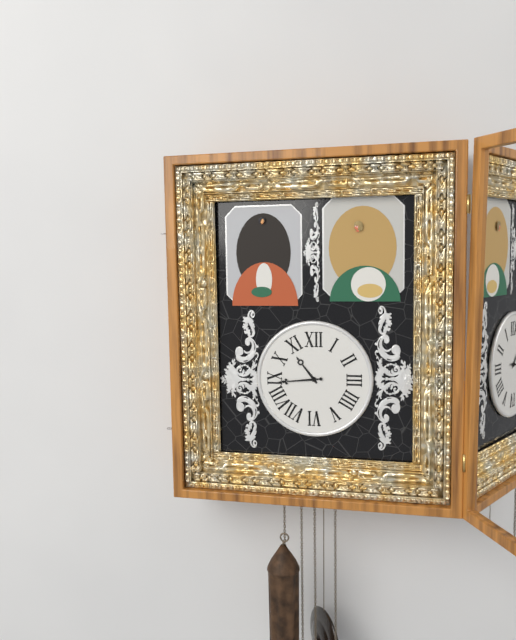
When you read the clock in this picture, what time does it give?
10:44
